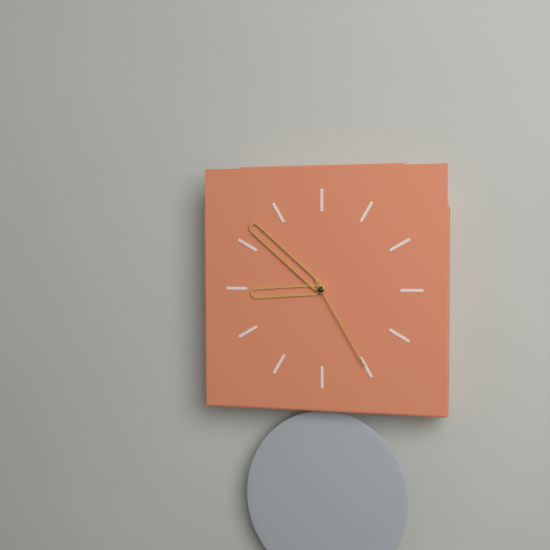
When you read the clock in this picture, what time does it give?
8:52:25
